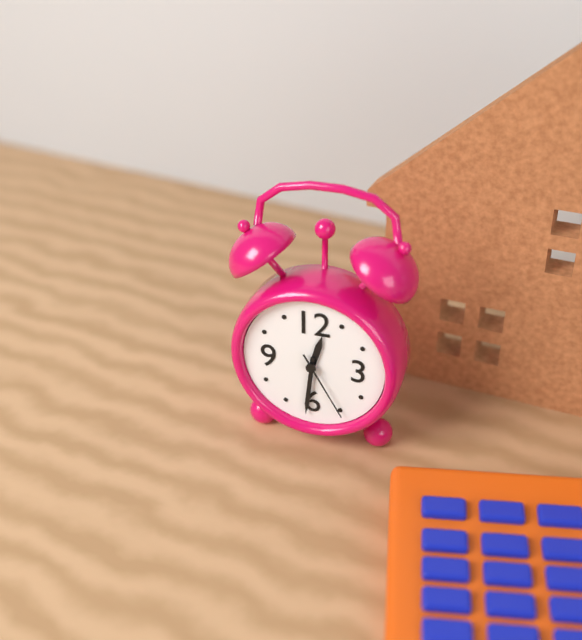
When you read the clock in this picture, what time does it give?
12:31:25
